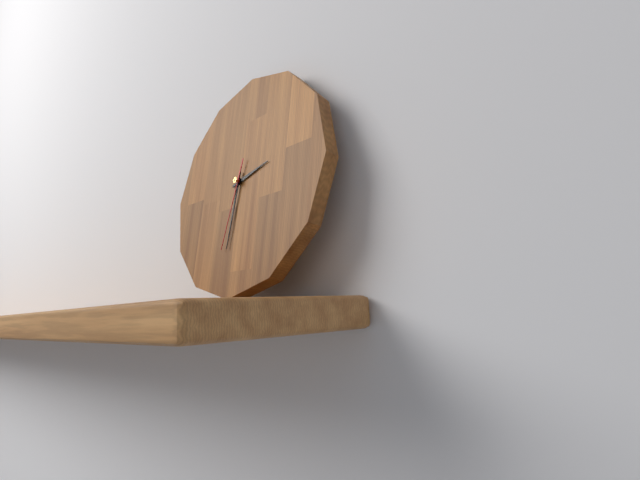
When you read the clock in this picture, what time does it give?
2:31:32
